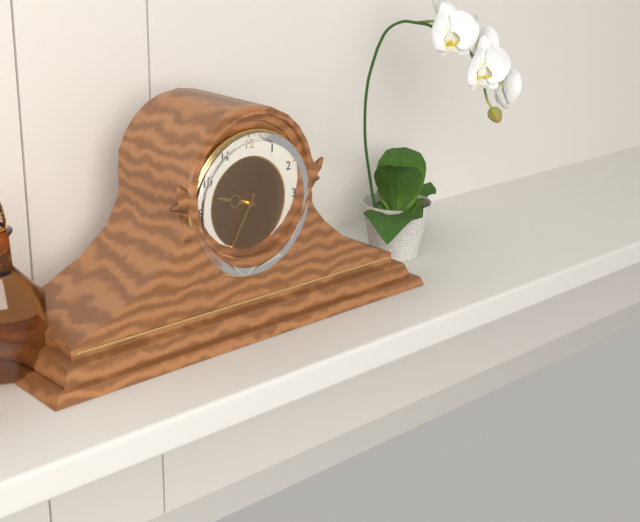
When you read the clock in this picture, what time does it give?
9:35
